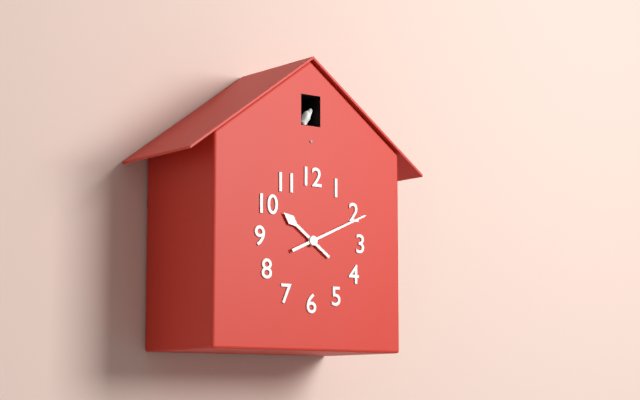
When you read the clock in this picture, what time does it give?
10:11
